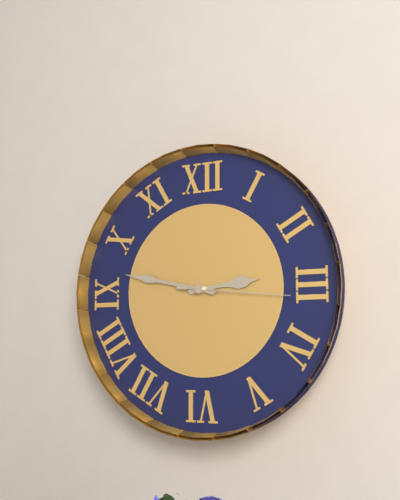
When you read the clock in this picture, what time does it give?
2:47:16
